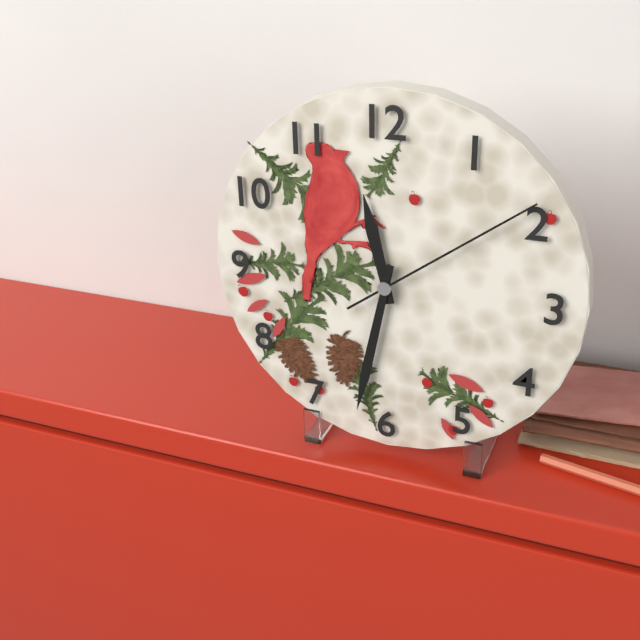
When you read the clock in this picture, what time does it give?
11:32:09
